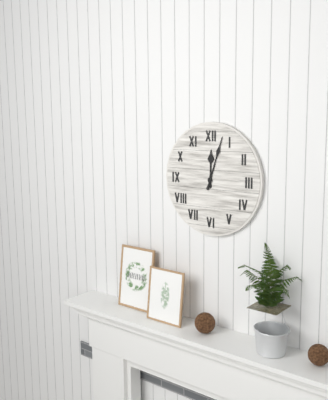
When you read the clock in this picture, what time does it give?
12:03
